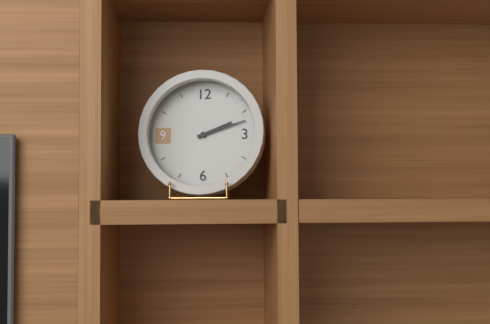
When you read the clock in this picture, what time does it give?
2:12
